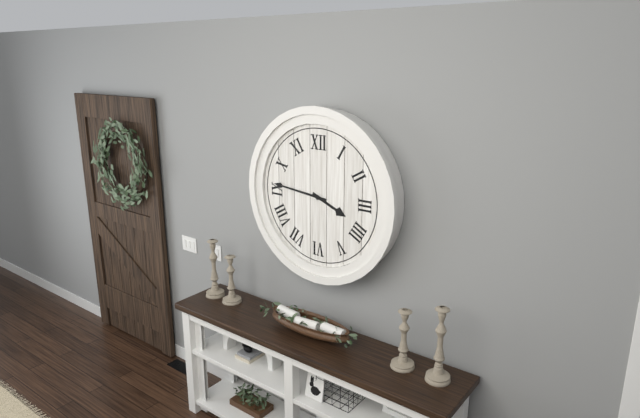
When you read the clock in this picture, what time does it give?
3:46
